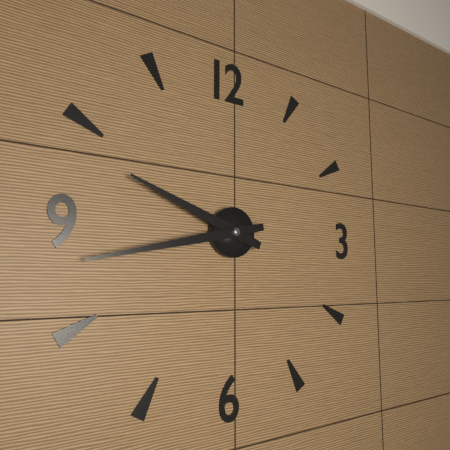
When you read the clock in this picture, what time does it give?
9:43
